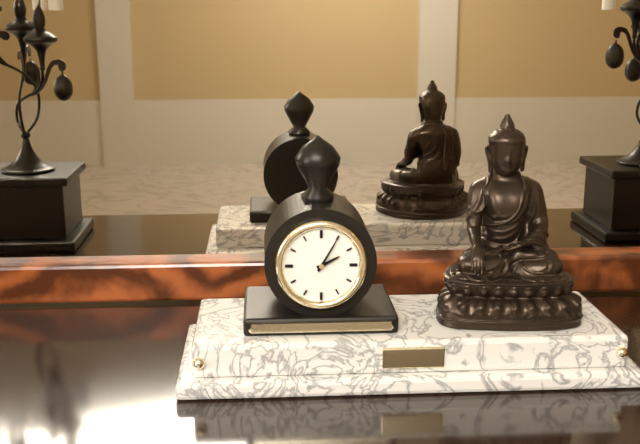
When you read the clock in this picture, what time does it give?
2:05
